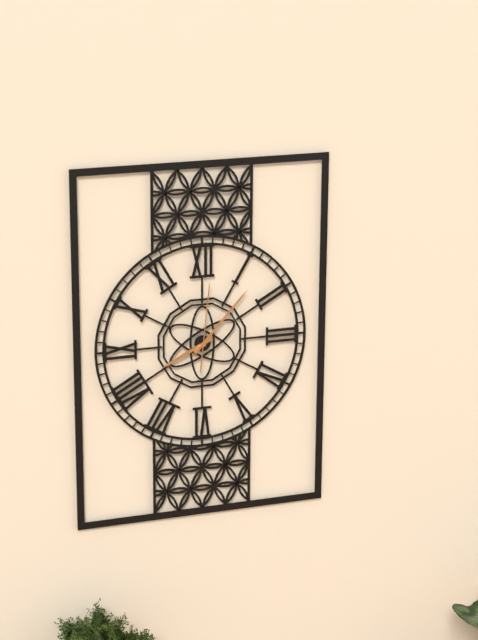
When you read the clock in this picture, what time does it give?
8:07:01
